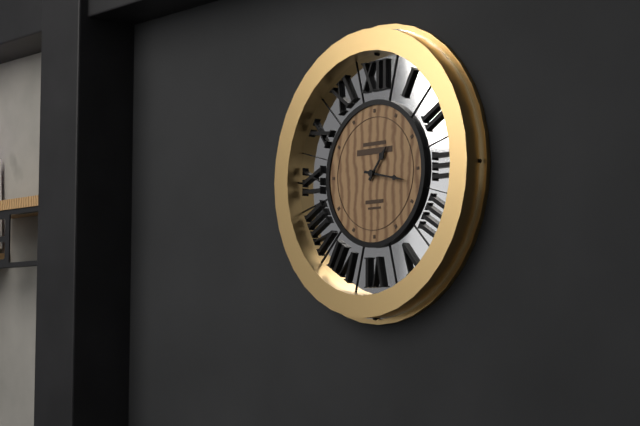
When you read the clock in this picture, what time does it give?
1:17
